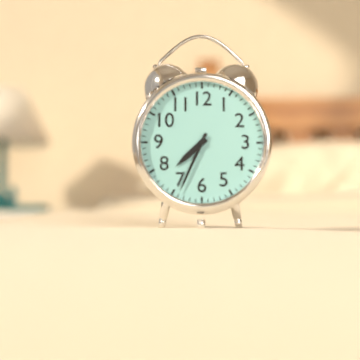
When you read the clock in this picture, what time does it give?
7:34
